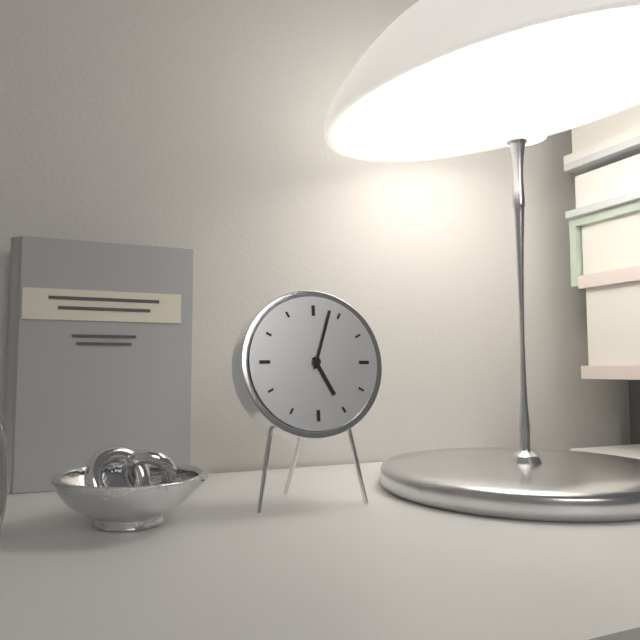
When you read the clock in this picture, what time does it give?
5:03
